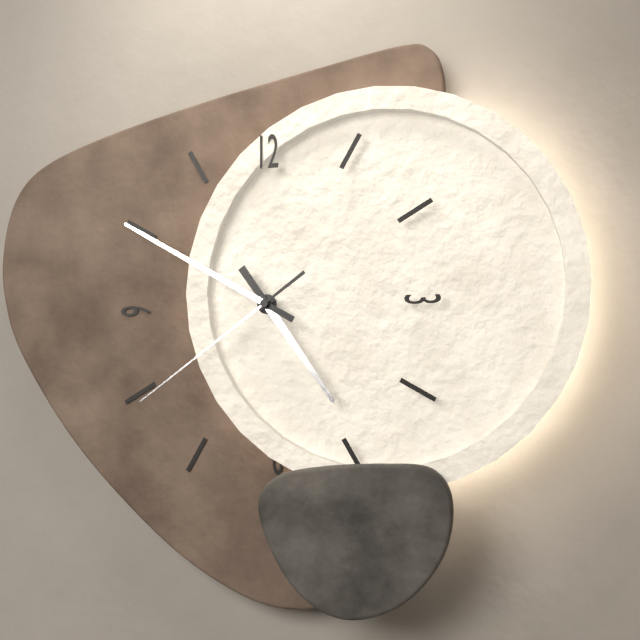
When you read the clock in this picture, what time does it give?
4:50:39
